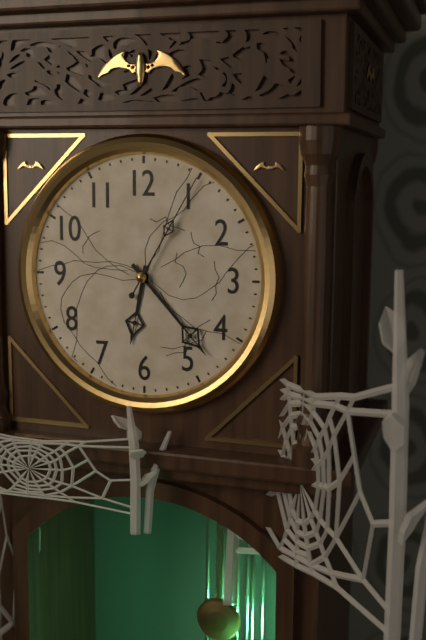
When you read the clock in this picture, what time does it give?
6:23:05
